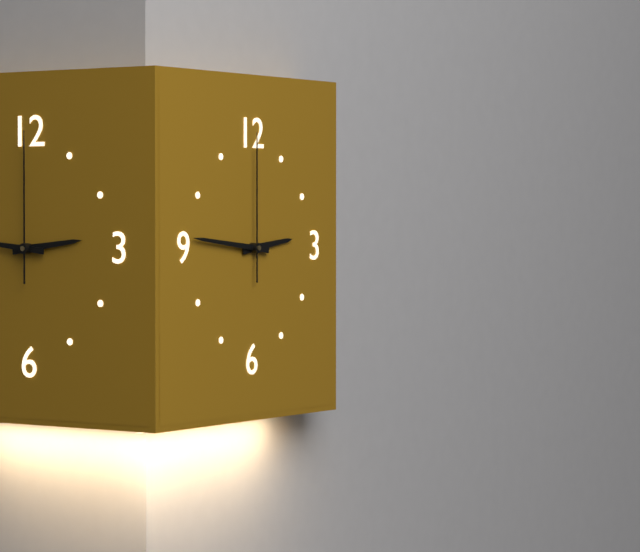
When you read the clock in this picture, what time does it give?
2:46:00
